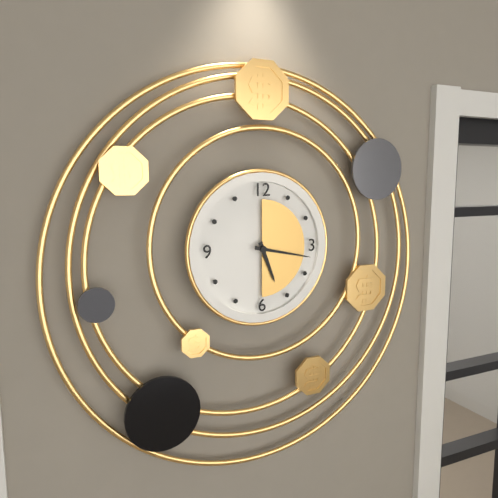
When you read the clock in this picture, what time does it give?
5:17
